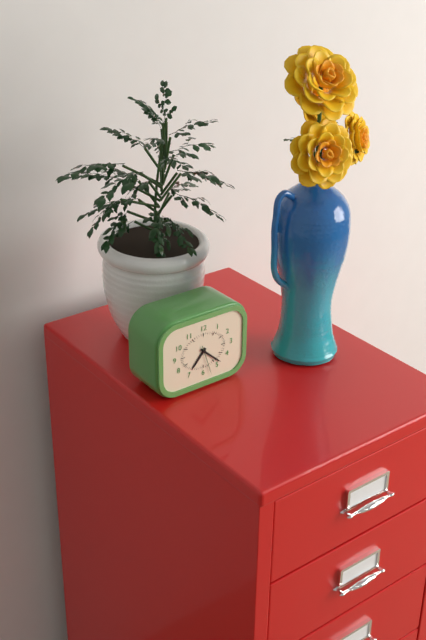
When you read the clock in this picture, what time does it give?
7:22:27
